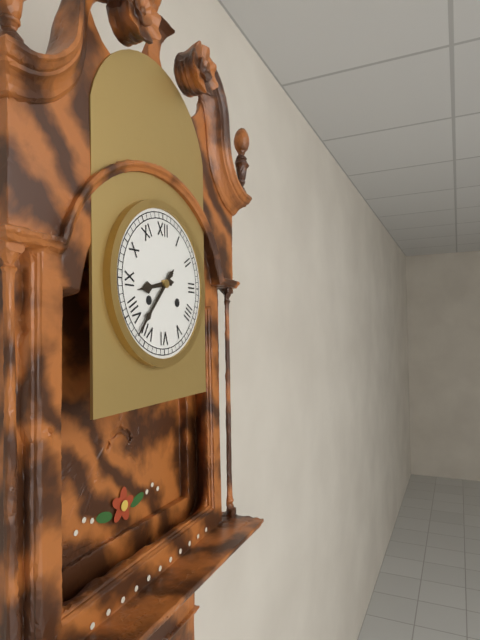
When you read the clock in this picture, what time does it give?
8:37
